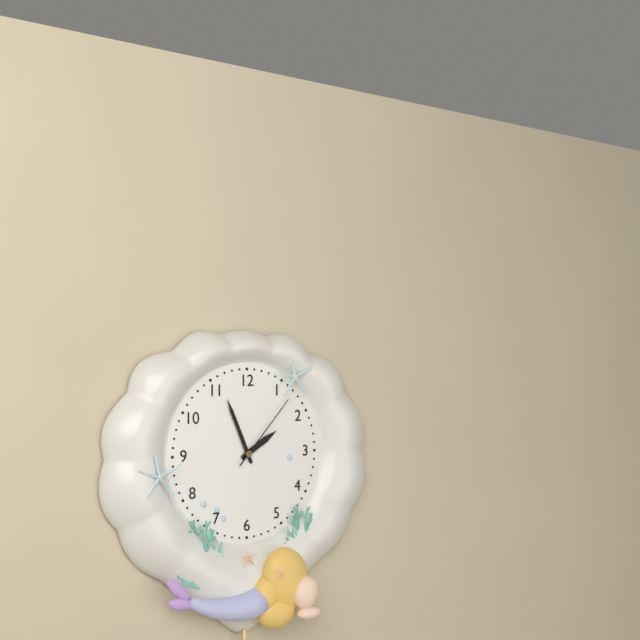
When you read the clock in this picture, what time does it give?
1:56:07
